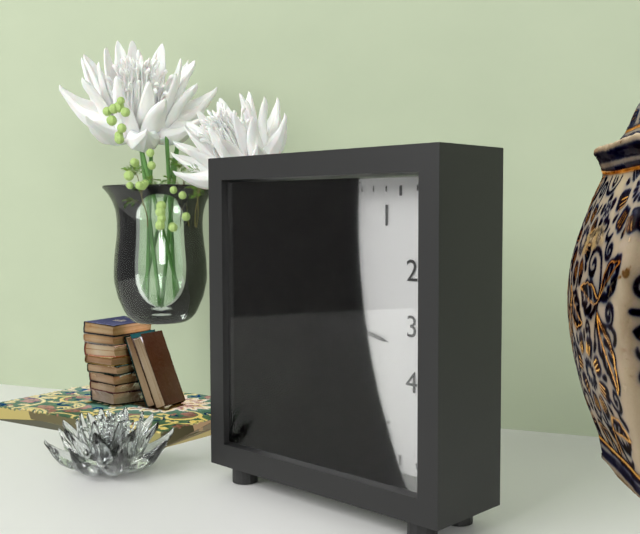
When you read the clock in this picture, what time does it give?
3:28
